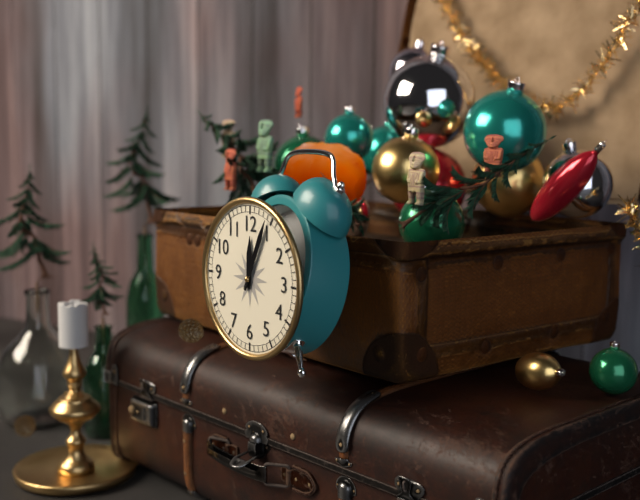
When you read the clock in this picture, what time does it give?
12:04
